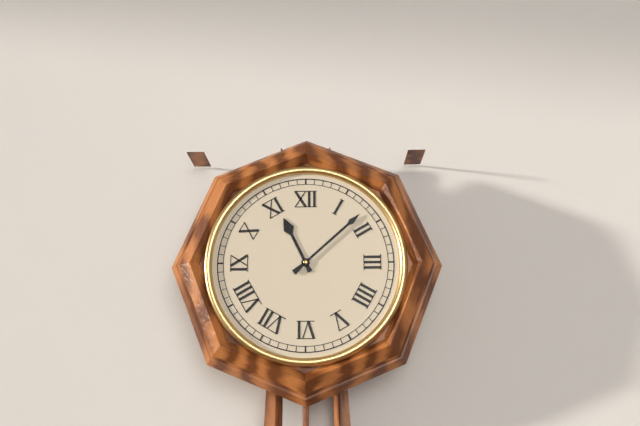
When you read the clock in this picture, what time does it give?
11:08
